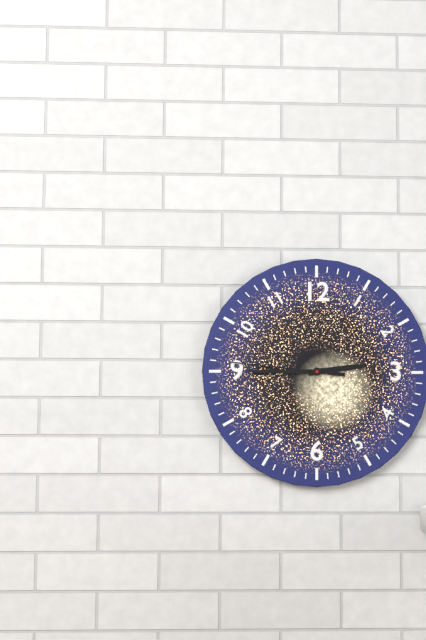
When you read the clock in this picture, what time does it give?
2:45:46
